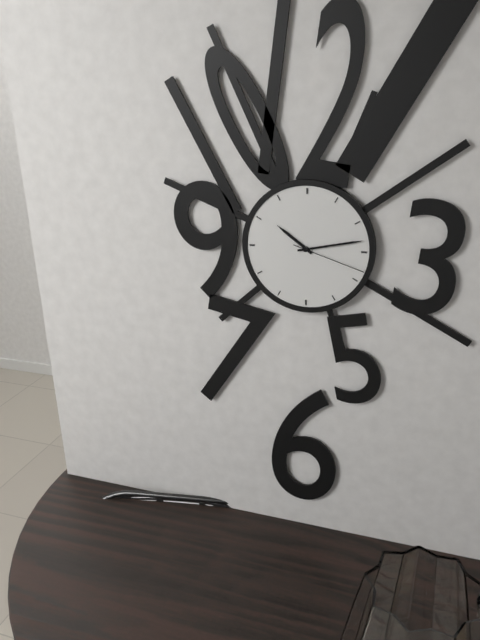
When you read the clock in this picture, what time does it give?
10:13:18
